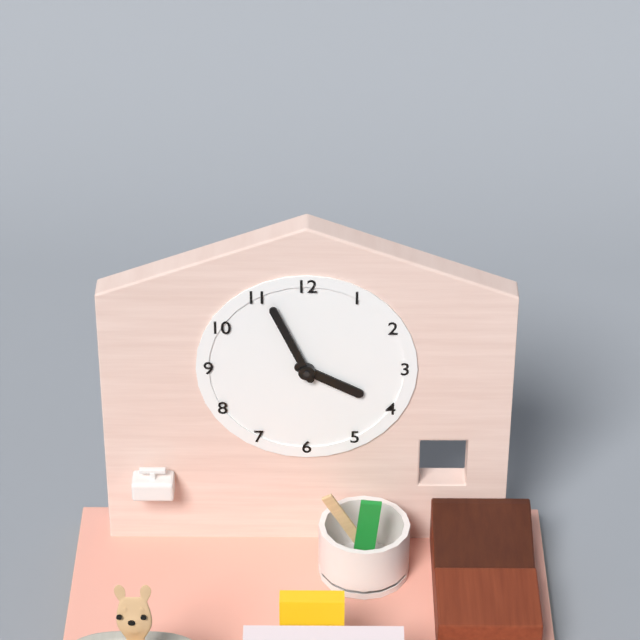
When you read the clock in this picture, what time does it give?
3:56
